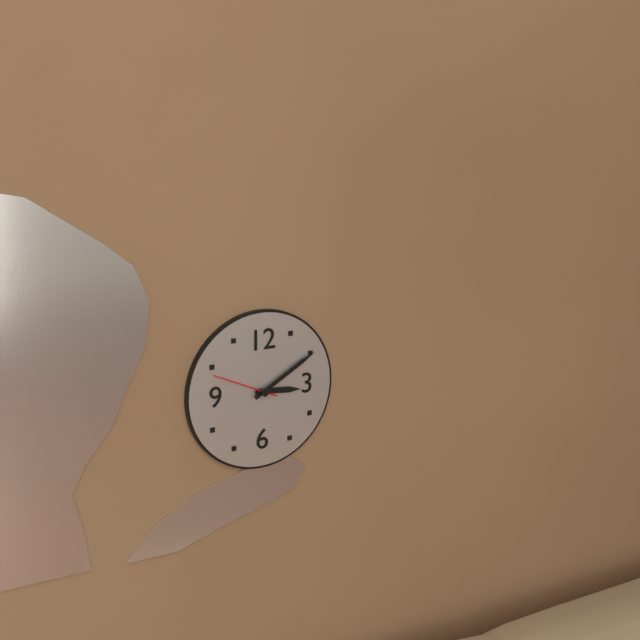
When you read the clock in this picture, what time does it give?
3:10:49
